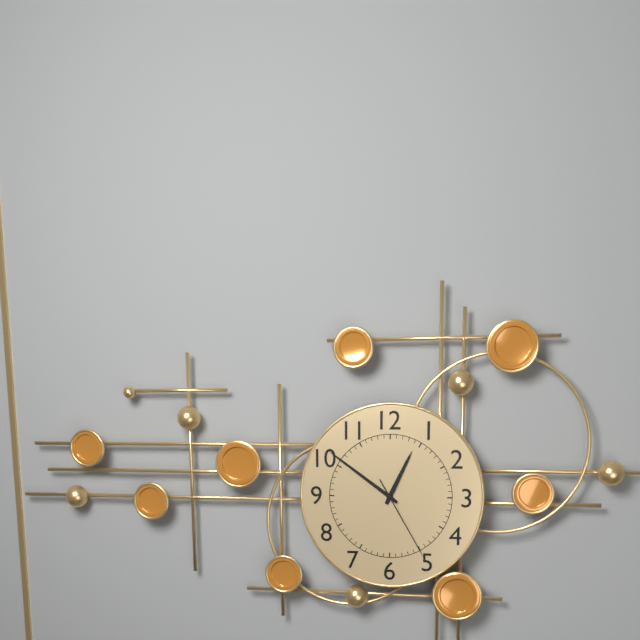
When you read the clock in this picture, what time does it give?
12:51:25
